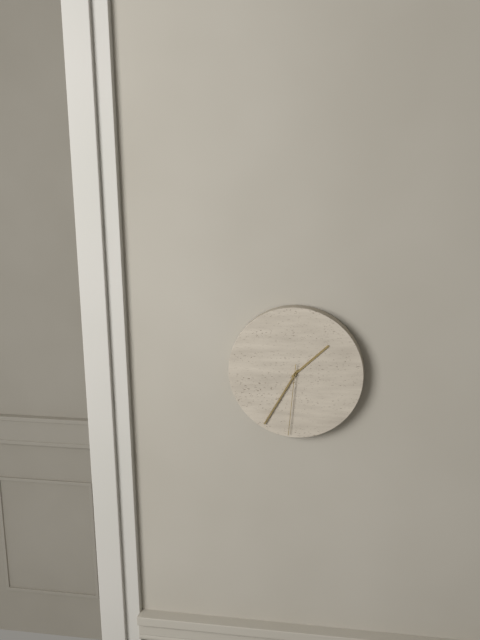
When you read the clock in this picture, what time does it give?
1:35:31
